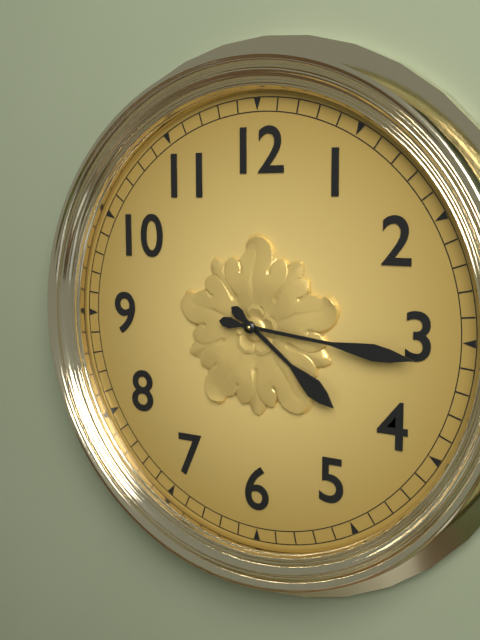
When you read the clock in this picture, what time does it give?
4:16
